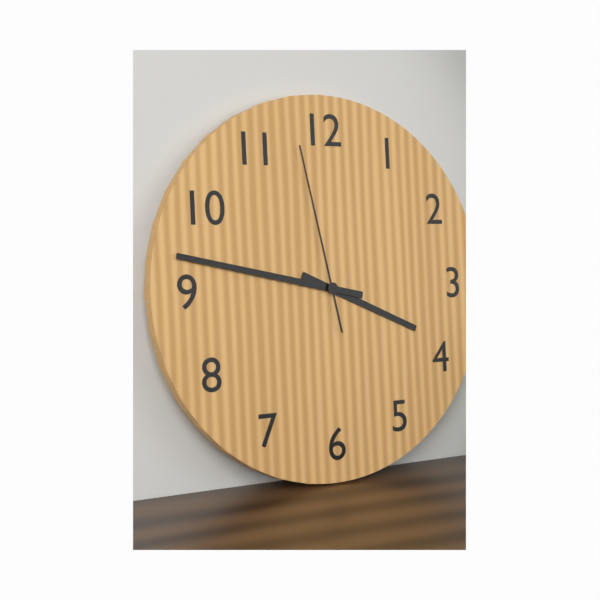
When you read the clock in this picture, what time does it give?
3:47:58
